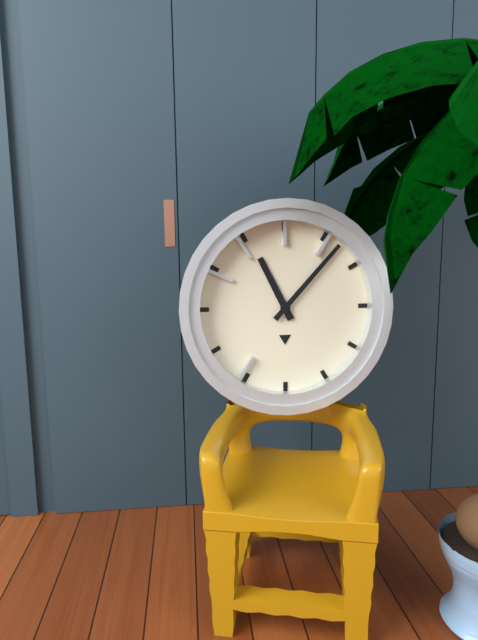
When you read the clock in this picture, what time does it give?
11:07
